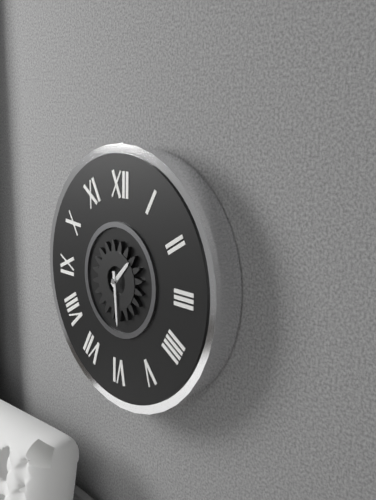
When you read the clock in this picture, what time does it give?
1:29
